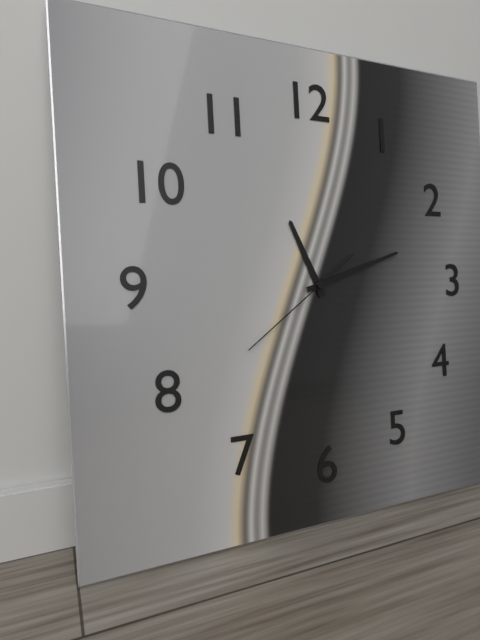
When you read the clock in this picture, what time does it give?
11:12:39
